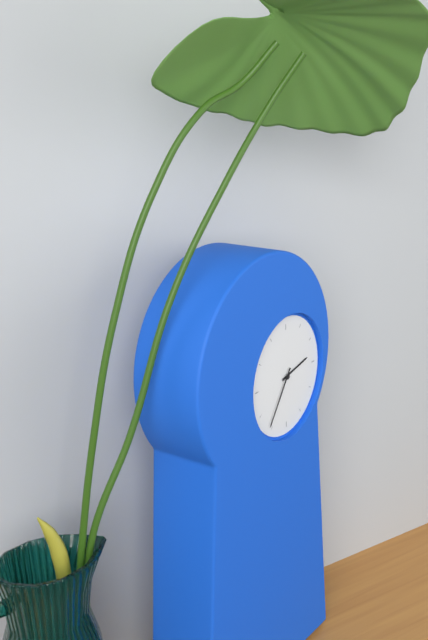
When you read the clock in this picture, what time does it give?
2:36
